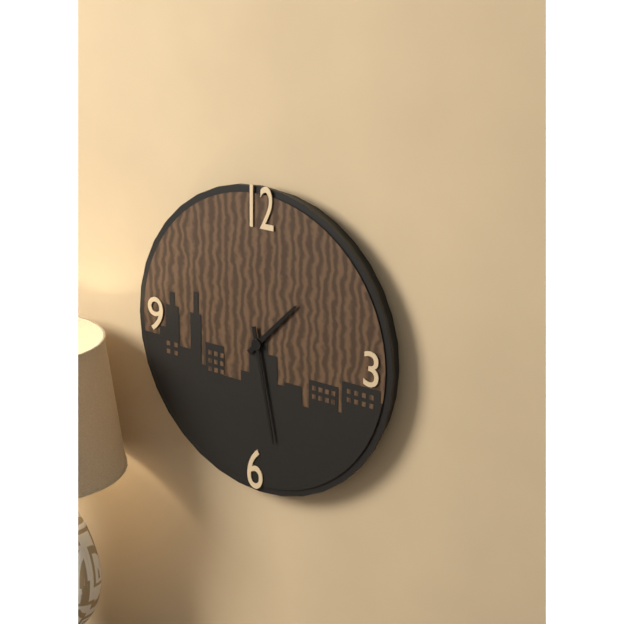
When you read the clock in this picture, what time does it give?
1:28
